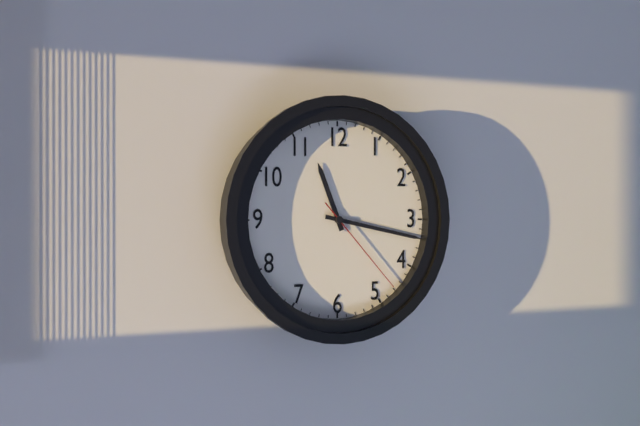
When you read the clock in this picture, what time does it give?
11:17:23
